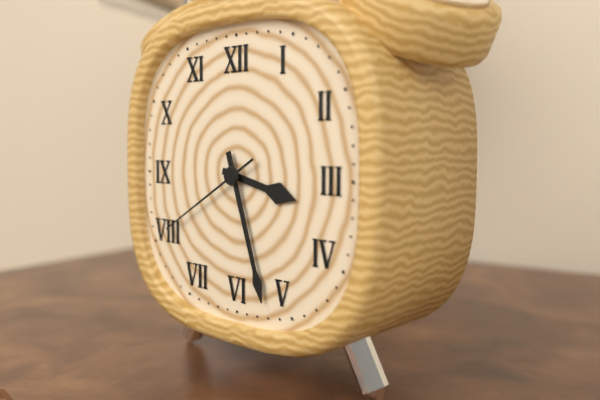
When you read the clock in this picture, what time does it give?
3:27:40
